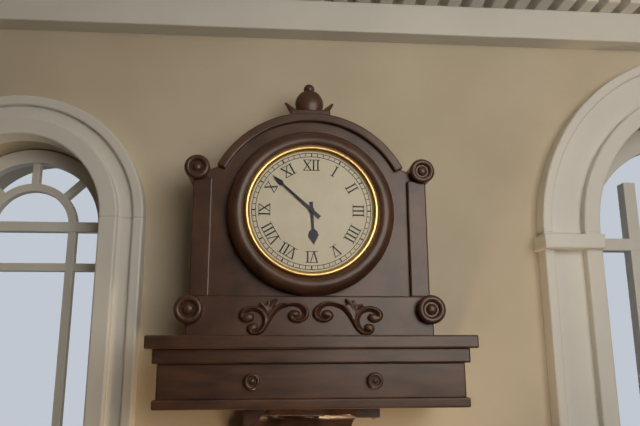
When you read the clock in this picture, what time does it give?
5:52
